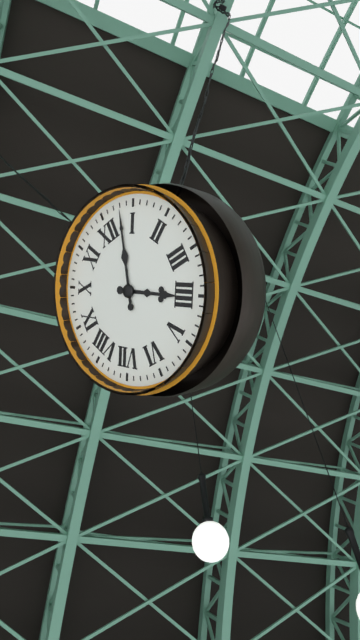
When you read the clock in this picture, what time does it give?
4:03
